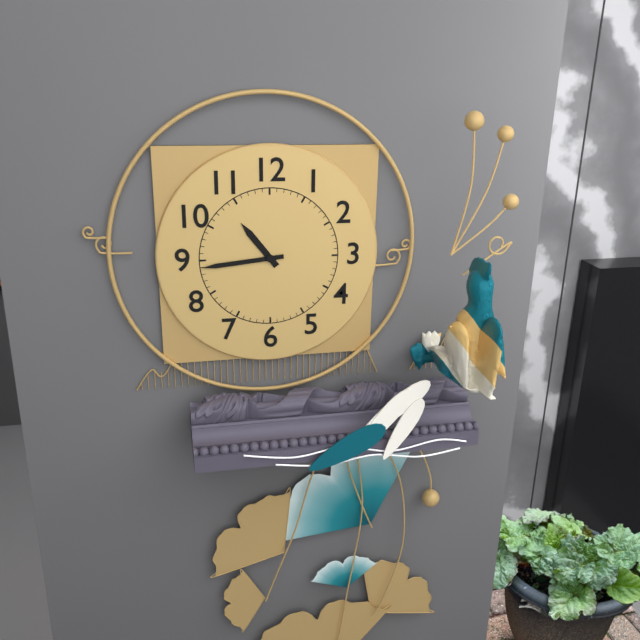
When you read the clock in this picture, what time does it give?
10:44
